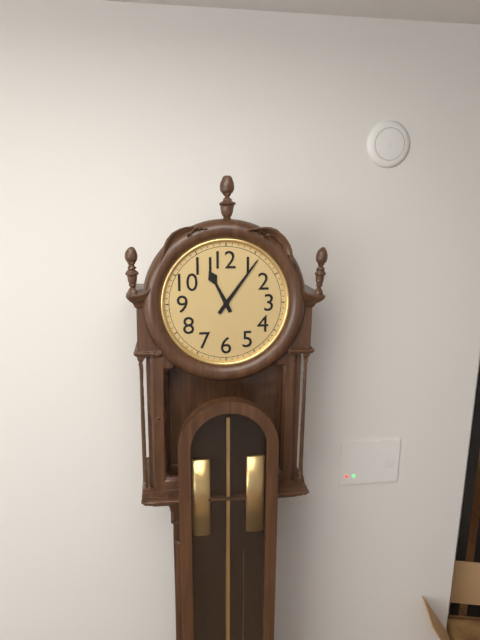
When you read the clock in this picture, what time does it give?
11:06
